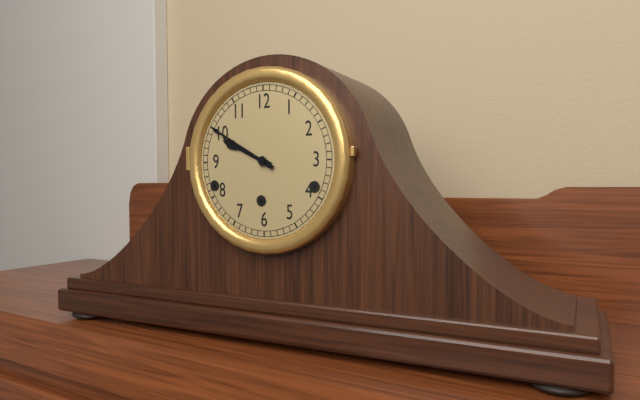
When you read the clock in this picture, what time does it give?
9:50
